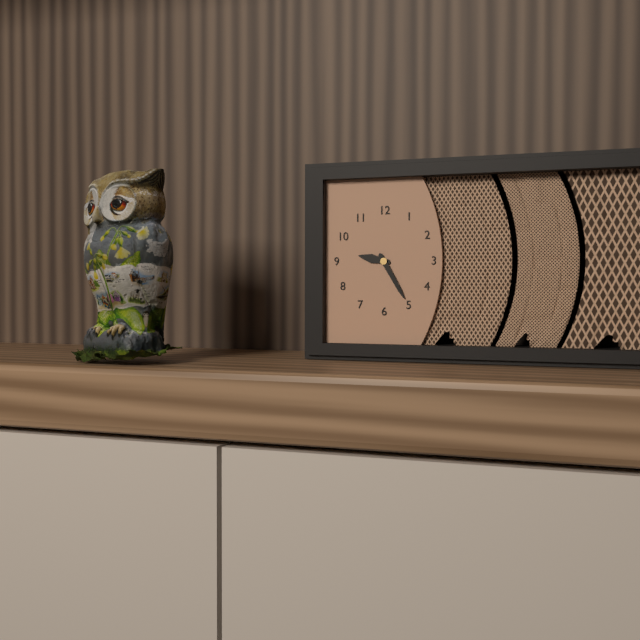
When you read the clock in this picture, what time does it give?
9:25
